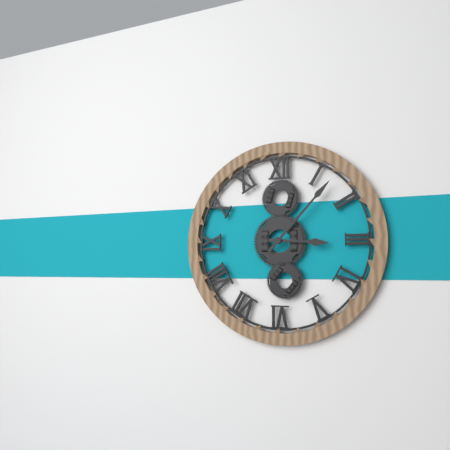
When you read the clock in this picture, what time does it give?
3:07
